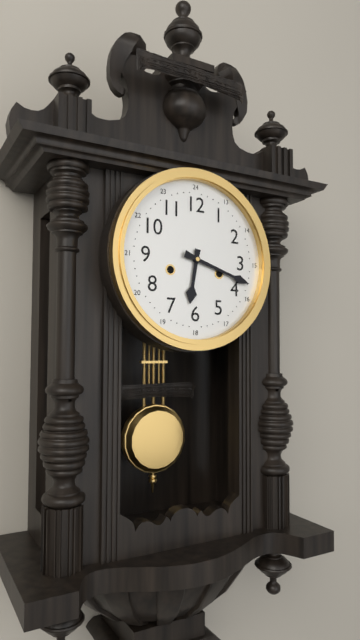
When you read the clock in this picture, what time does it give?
6:18
